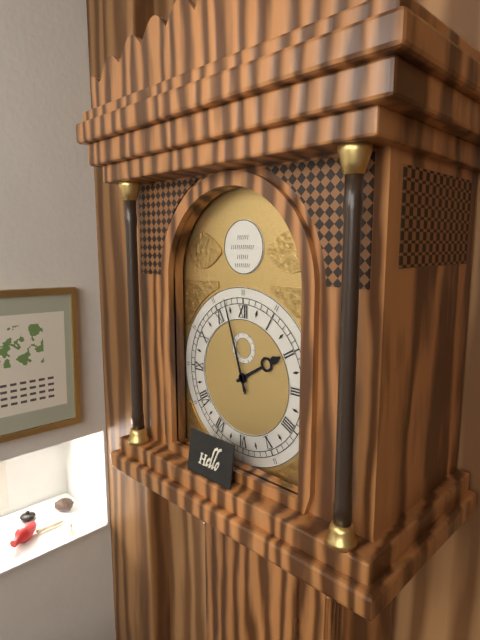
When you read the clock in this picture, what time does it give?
1:57
